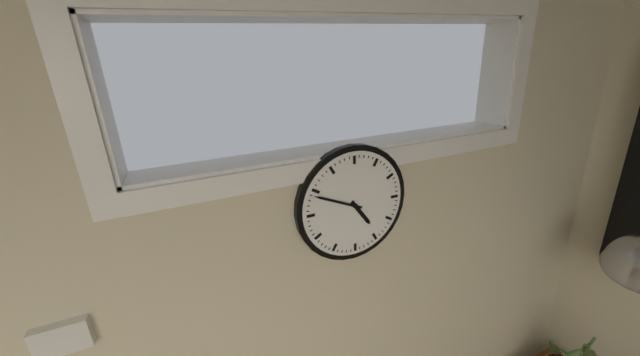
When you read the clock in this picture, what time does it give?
4:49
